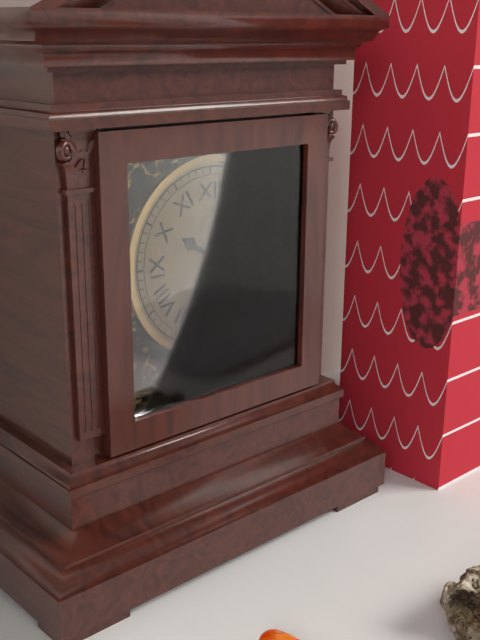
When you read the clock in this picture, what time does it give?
10:07:27
